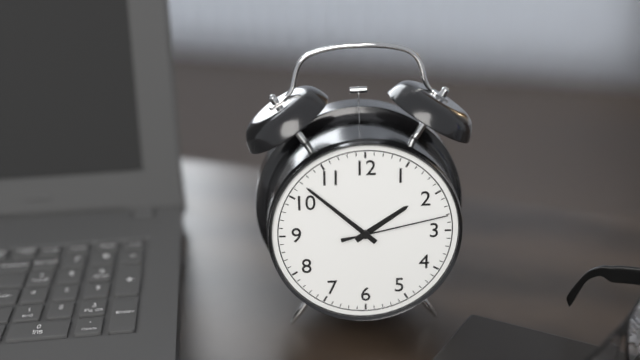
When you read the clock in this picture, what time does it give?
1:52:13
